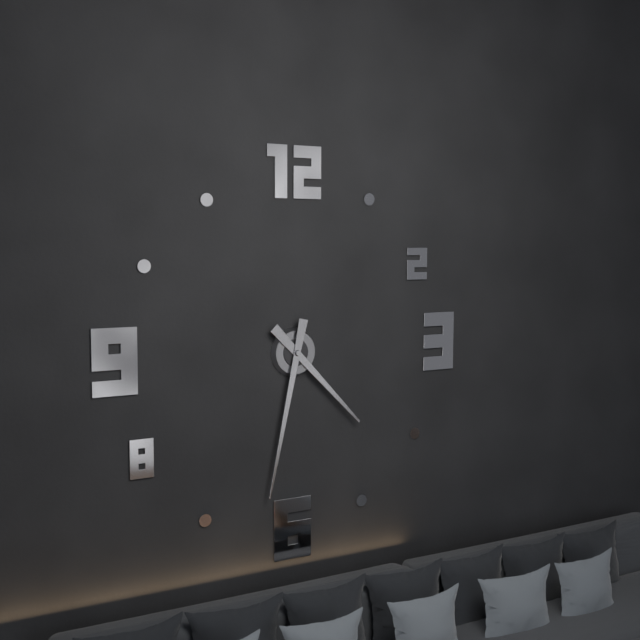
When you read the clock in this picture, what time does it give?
4:32
